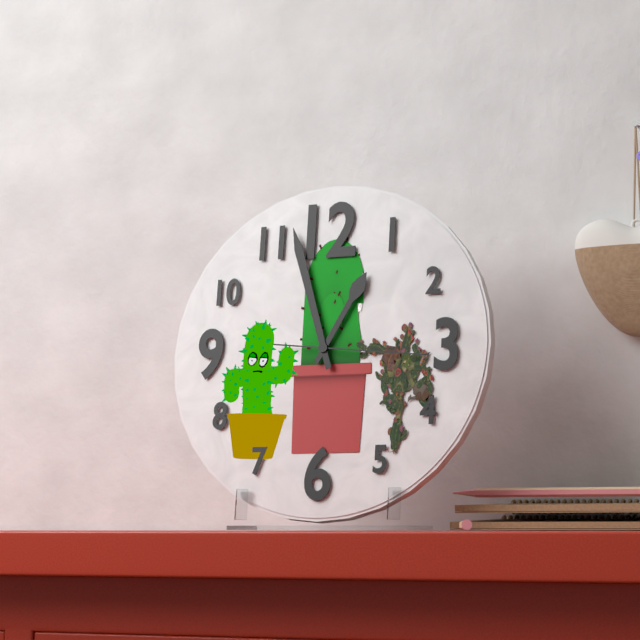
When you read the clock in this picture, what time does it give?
12:57:16
